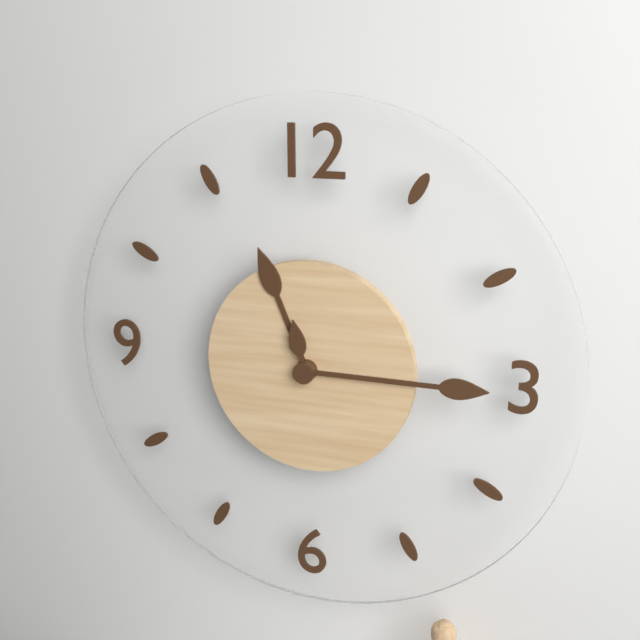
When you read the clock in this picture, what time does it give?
11:15:58
